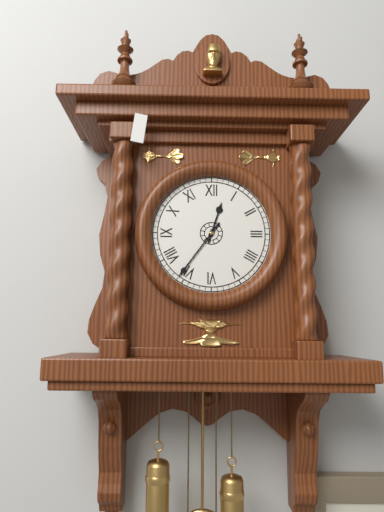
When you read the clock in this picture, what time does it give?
12:36
